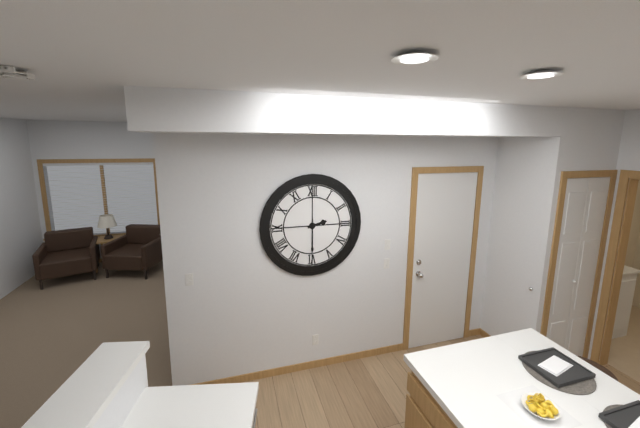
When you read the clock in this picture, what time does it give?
2:30
